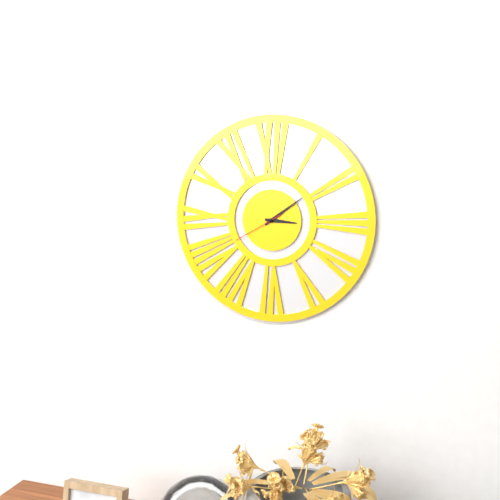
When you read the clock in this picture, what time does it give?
3:09:40
